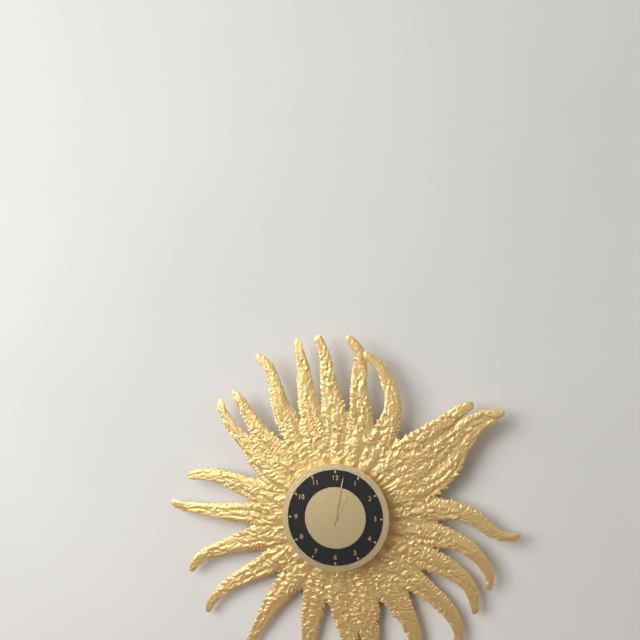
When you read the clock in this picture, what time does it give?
1:02
